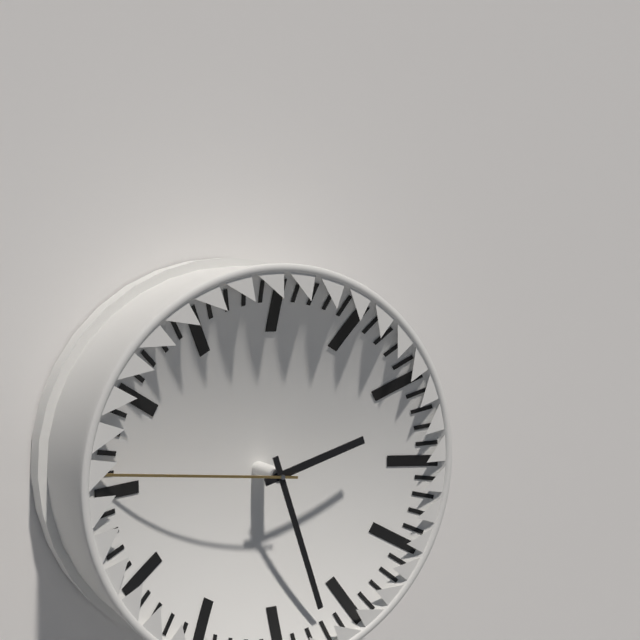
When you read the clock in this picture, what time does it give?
2:27:46
